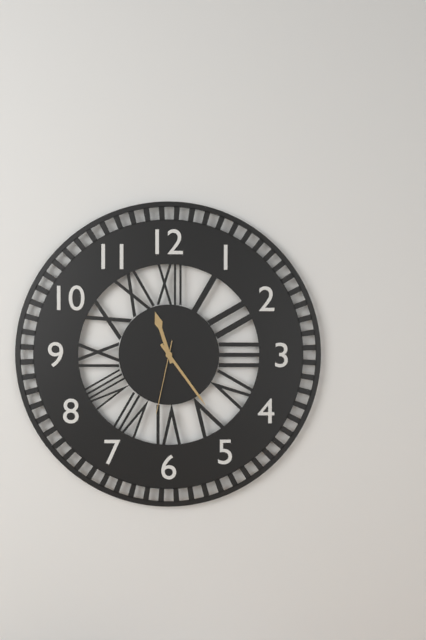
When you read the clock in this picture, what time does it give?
11:24:32
